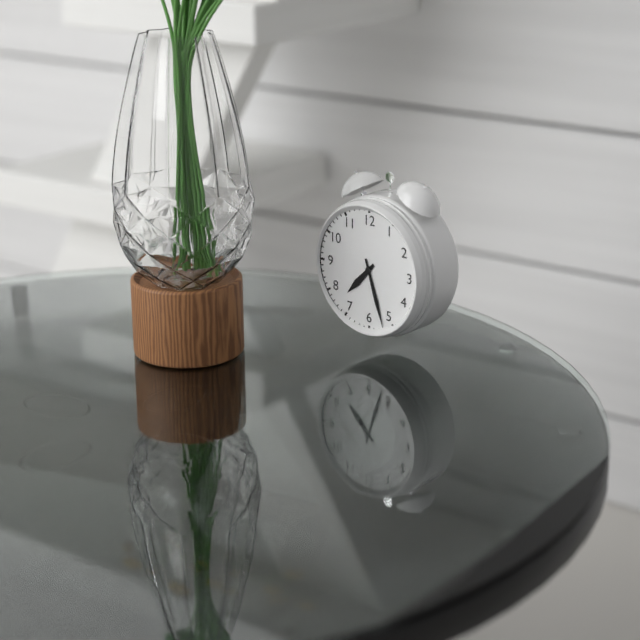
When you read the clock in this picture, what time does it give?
7:27
